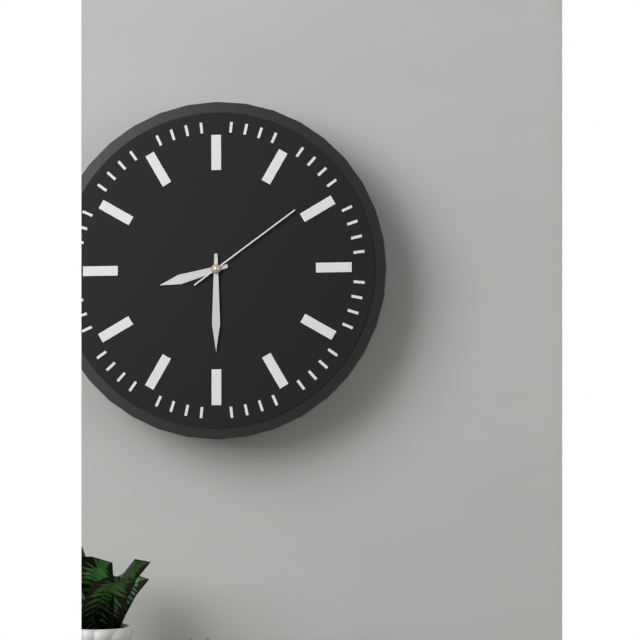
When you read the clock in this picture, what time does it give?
8:30:09
